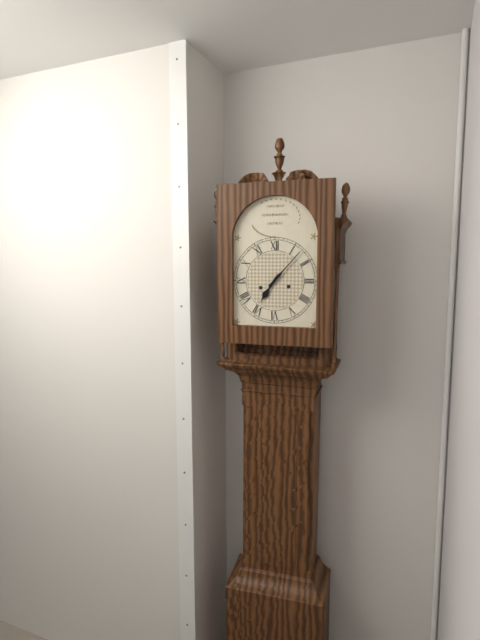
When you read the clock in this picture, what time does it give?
7:07
